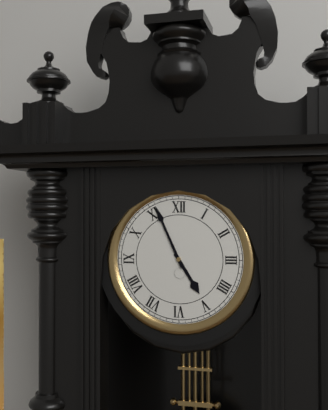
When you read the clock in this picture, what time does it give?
4:56
